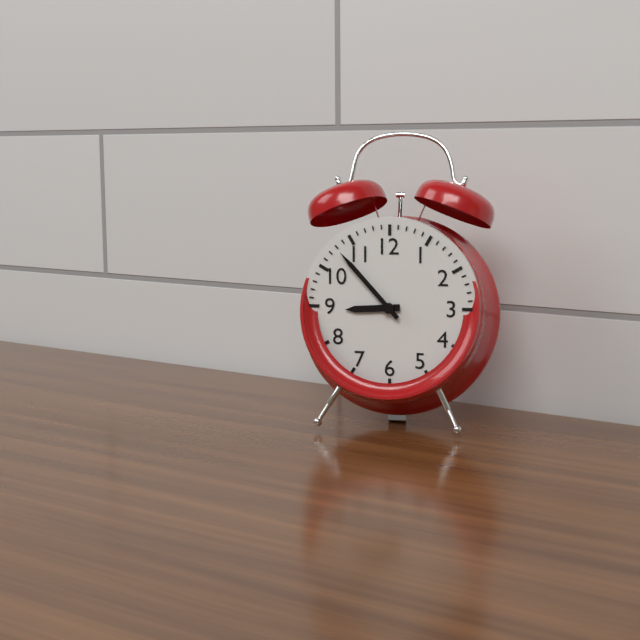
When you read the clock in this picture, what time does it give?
8:53
